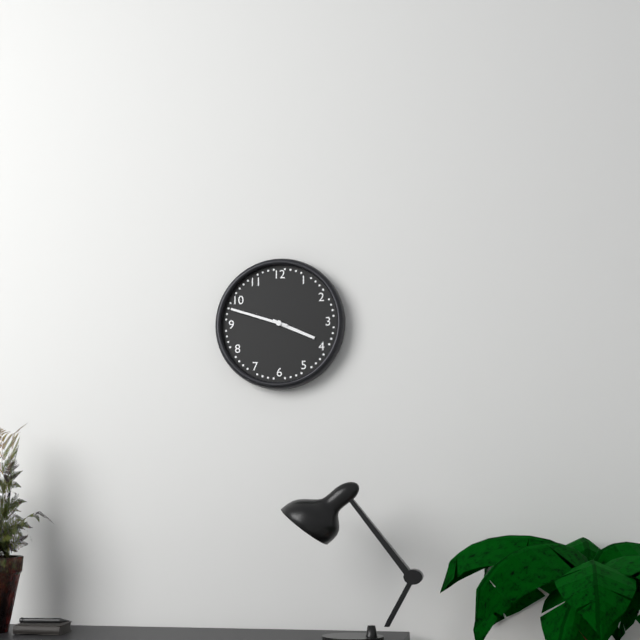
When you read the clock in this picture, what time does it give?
3:48
